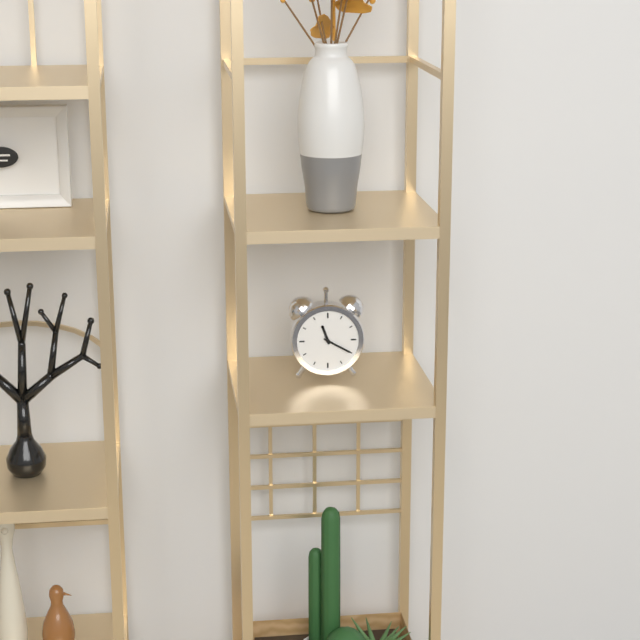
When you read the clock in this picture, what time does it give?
11:20
